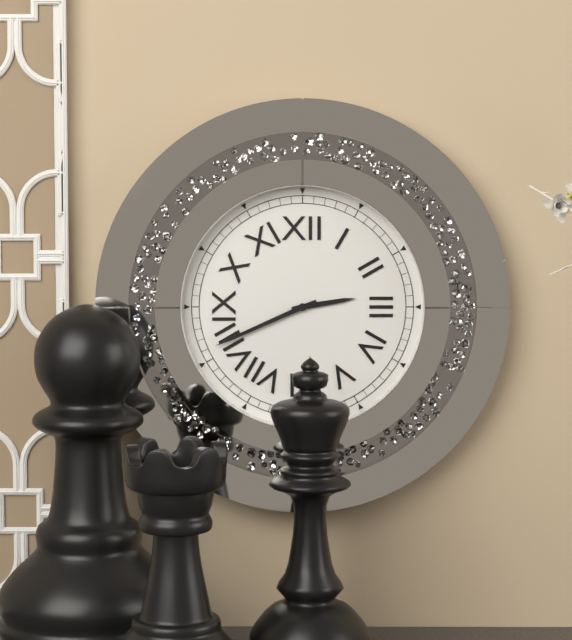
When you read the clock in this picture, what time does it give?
2:41
